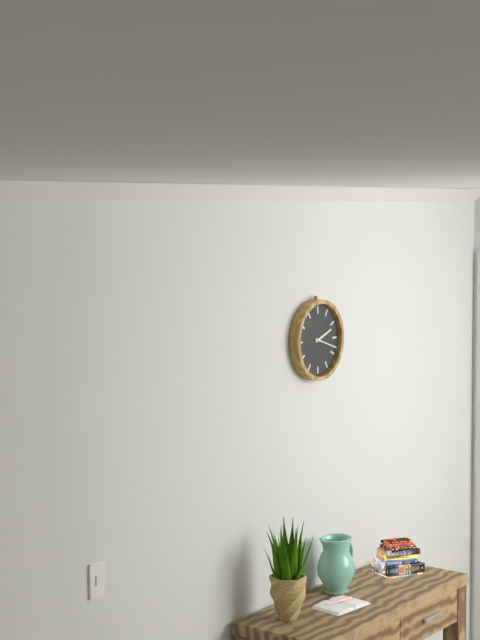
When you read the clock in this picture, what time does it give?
2:18
